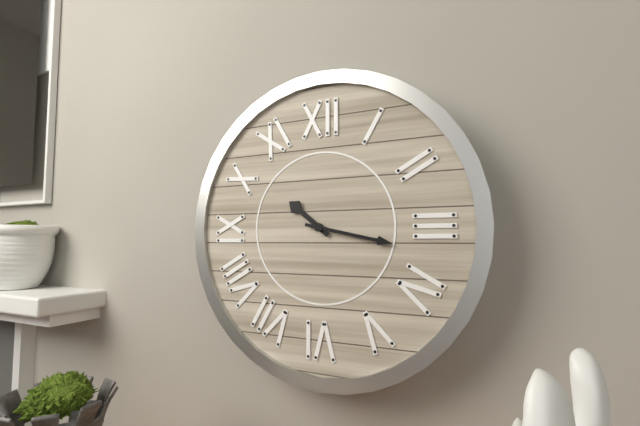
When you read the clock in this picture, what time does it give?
10:17
